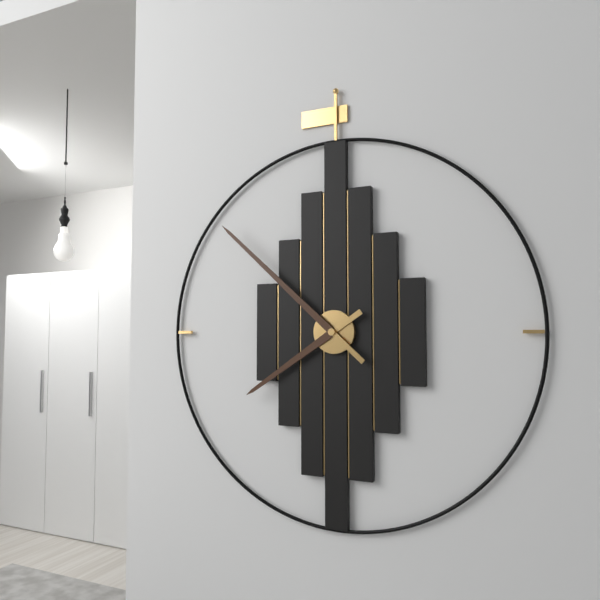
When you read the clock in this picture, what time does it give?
7:52
